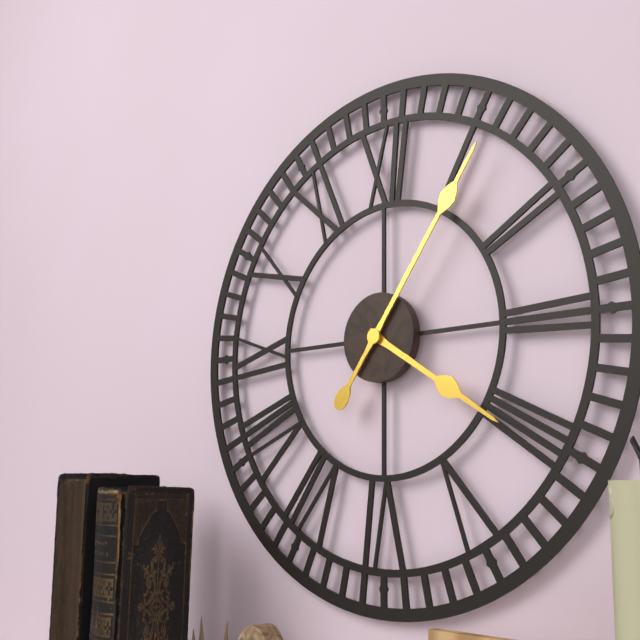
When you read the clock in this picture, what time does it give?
4:06
